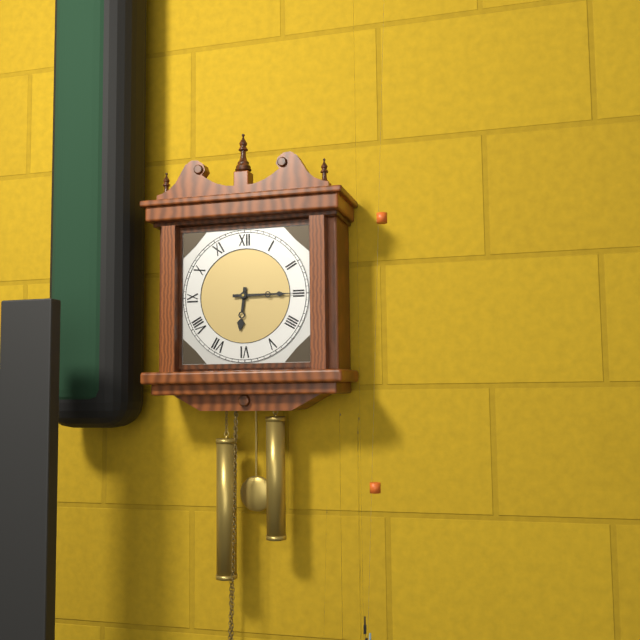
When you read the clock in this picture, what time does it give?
6:15
